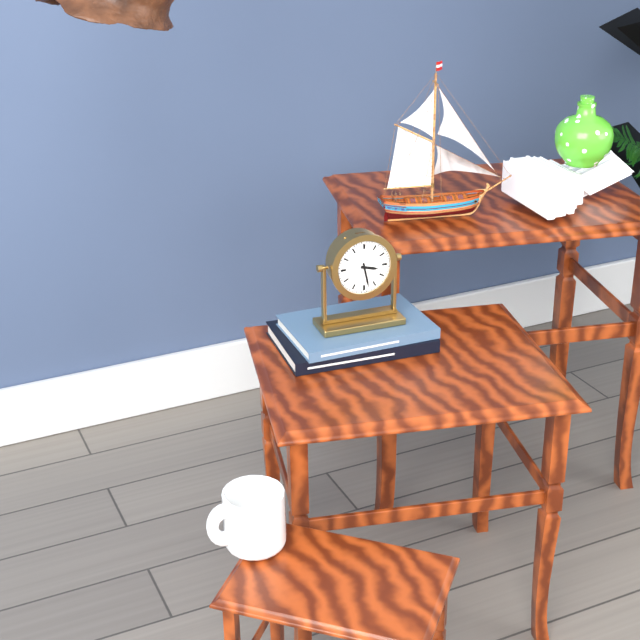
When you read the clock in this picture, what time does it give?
3:28
